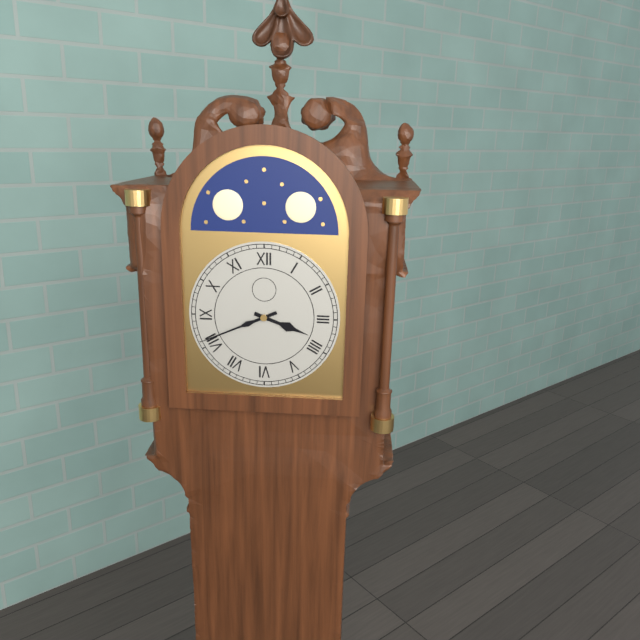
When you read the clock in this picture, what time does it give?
3:41
